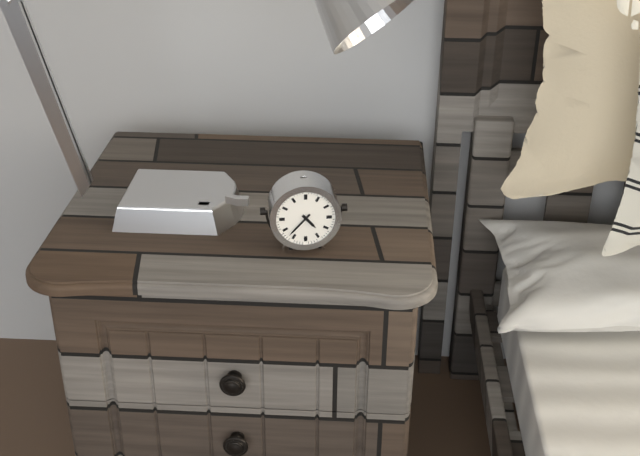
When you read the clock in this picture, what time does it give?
4:37
